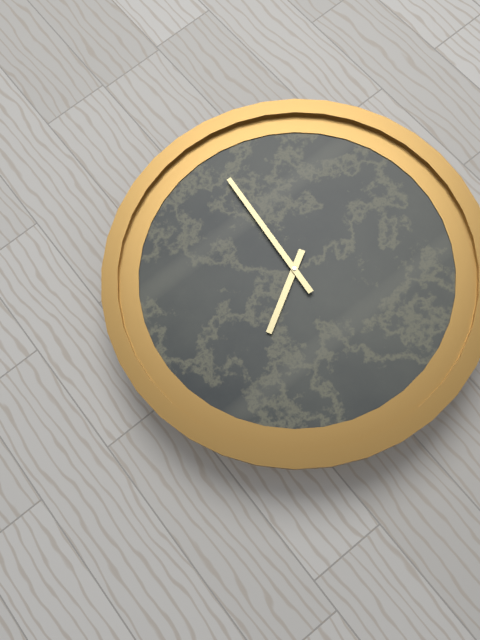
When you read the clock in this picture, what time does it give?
8:01
